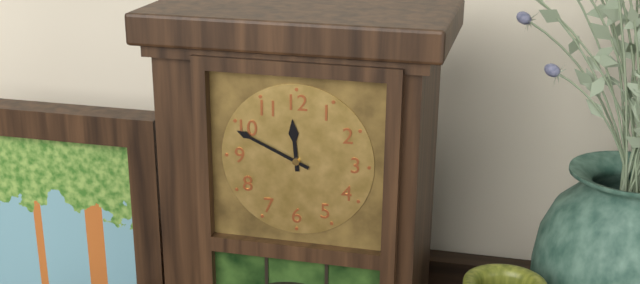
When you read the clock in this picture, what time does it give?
11:49
